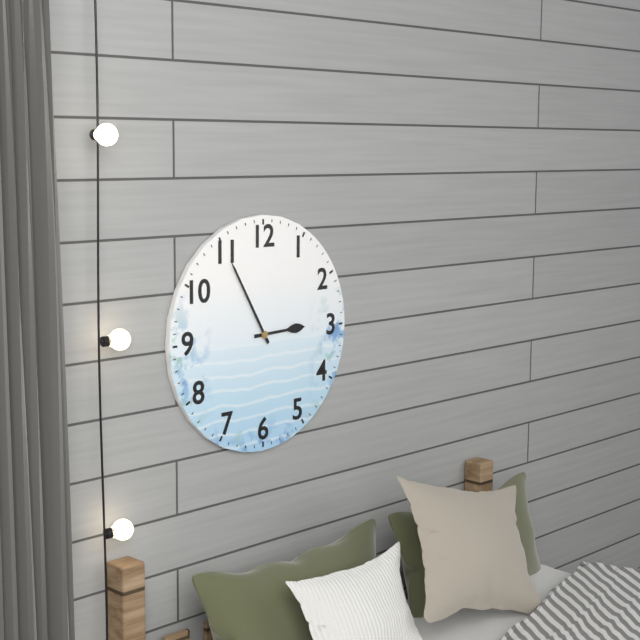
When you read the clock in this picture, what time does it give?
2:55
